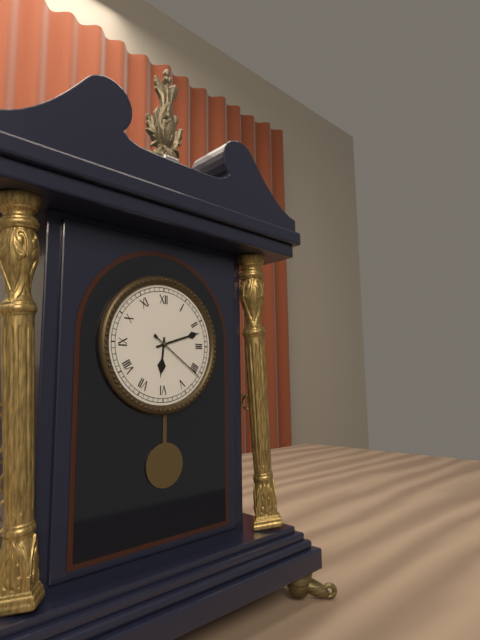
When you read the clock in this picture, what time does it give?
6:12:21
